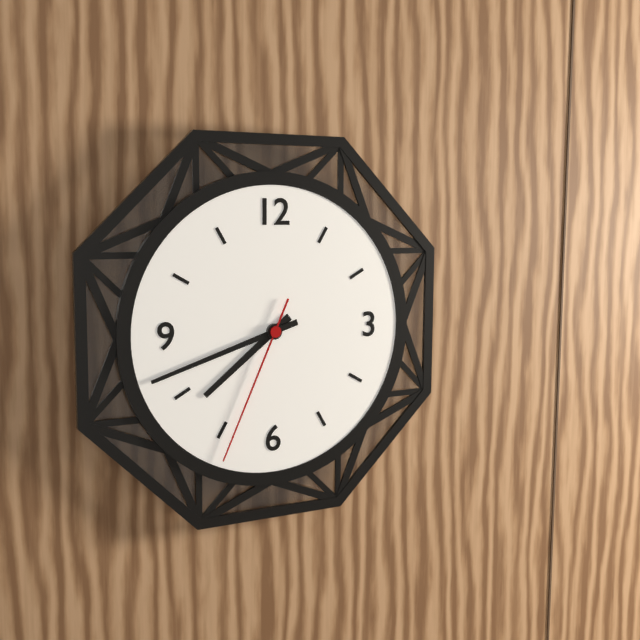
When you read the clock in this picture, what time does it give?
7:42:34
